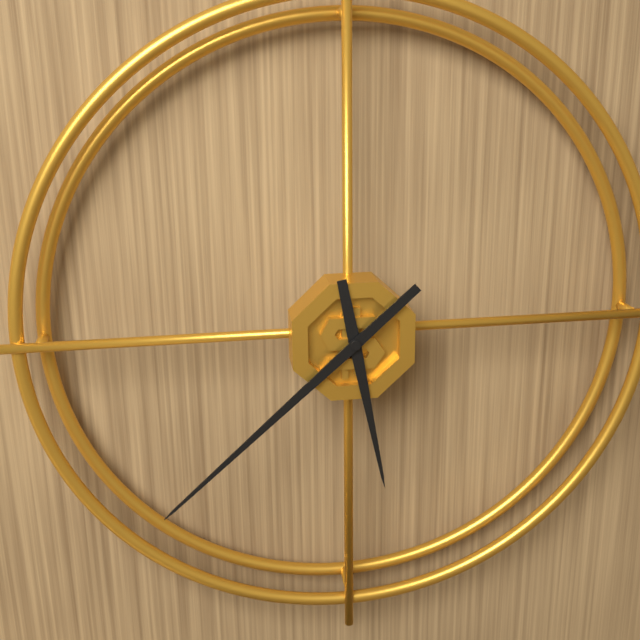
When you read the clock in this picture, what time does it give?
5:38
